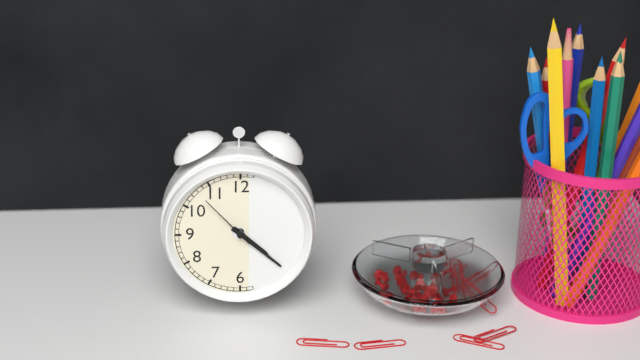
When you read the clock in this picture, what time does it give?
4:22:53
